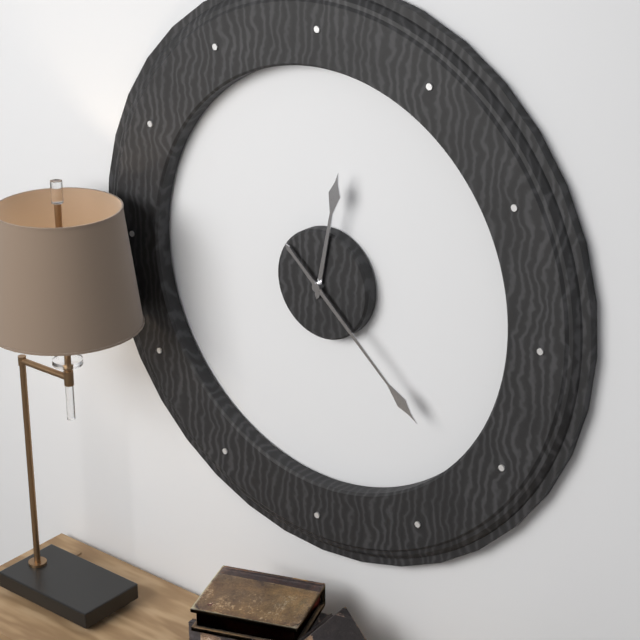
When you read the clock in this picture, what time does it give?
12:22
